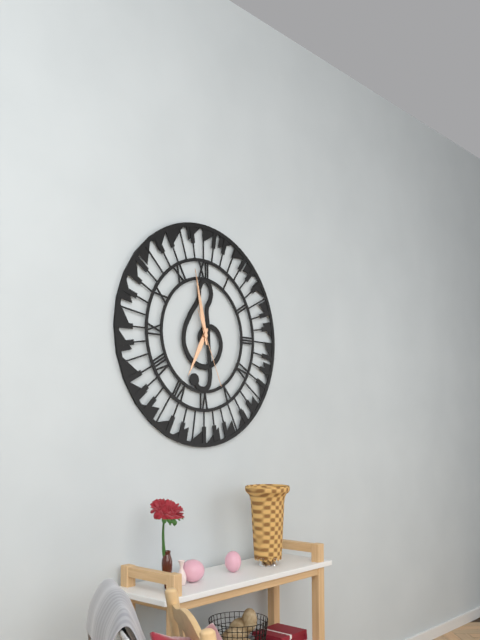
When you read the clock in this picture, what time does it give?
6:58:26
